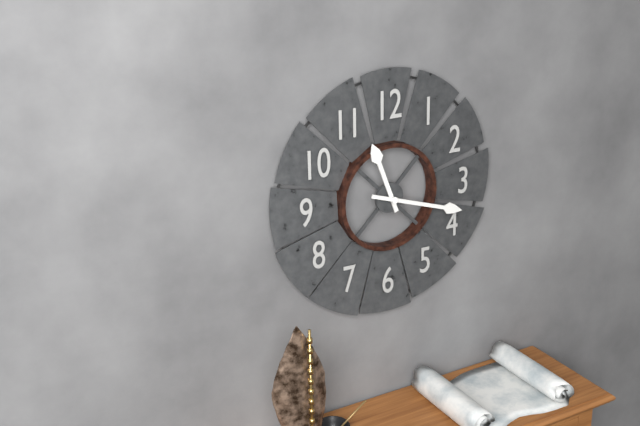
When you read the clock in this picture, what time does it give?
11:18
